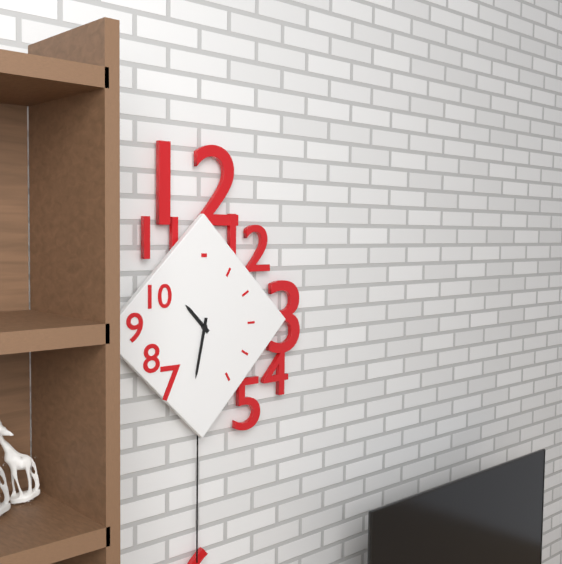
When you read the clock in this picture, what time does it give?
10:32
